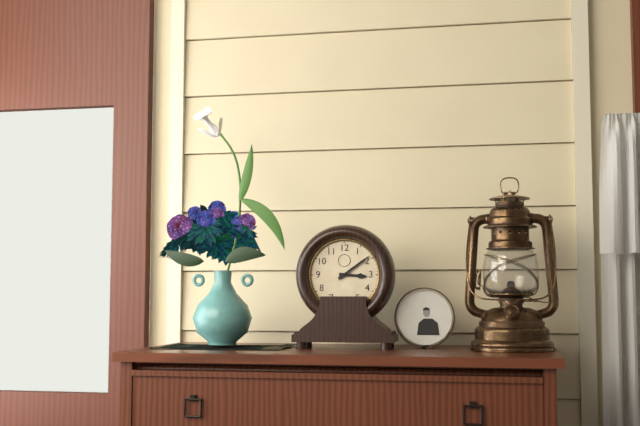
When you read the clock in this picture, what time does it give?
3:09
